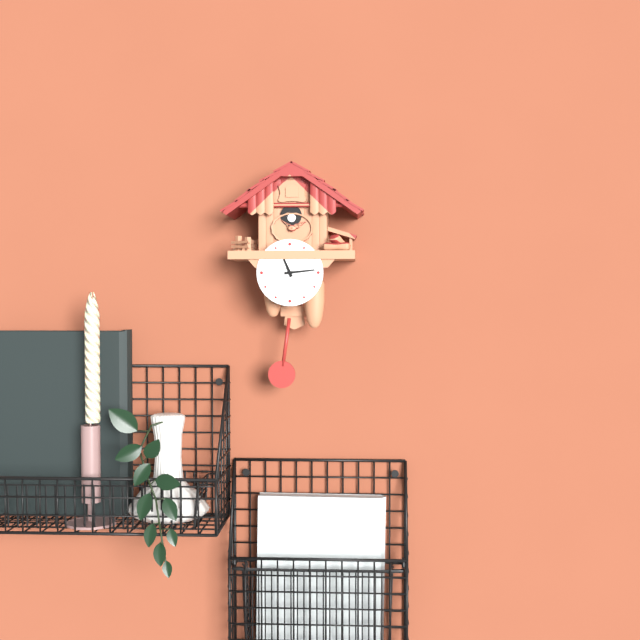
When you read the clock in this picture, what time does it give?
11:14
